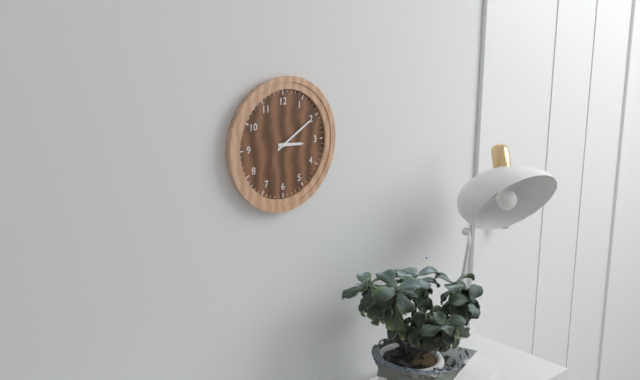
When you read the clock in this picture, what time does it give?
3:10
